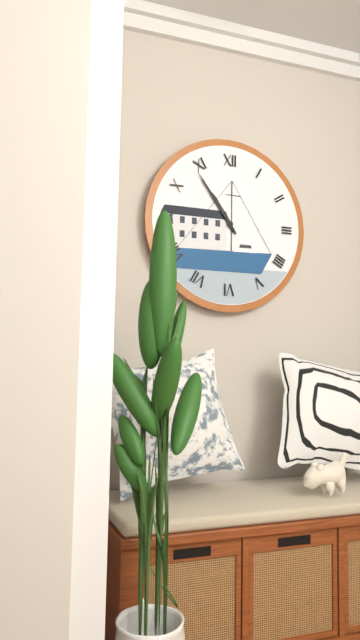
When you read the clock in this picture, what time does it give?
10:54
